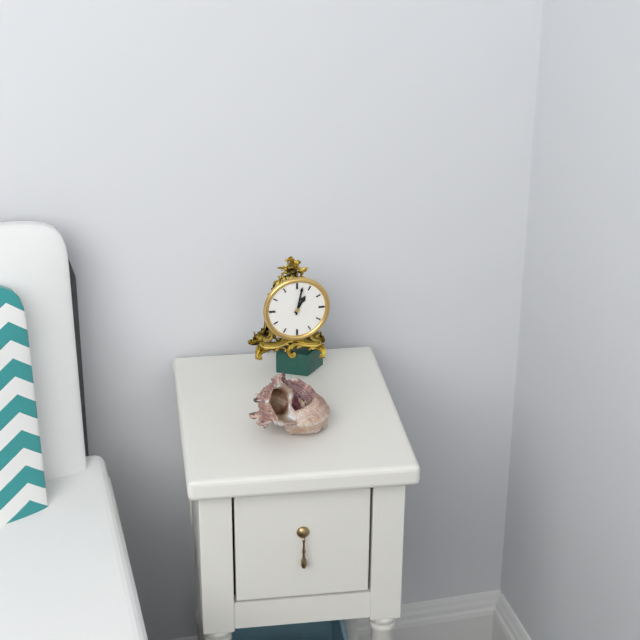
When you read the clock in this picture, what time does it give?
1:02
